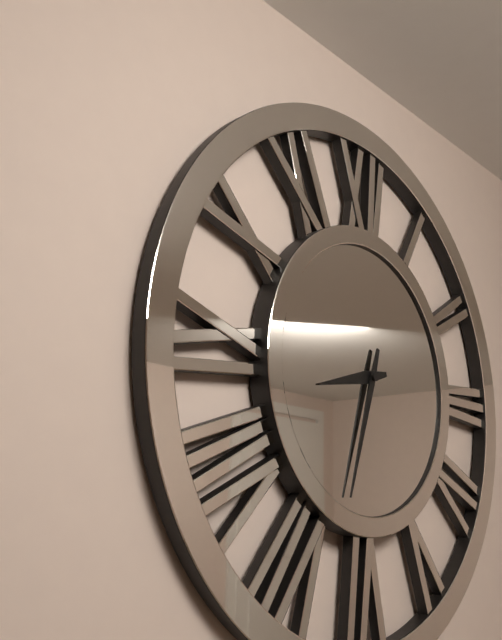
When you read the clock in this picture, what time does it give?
8:33
